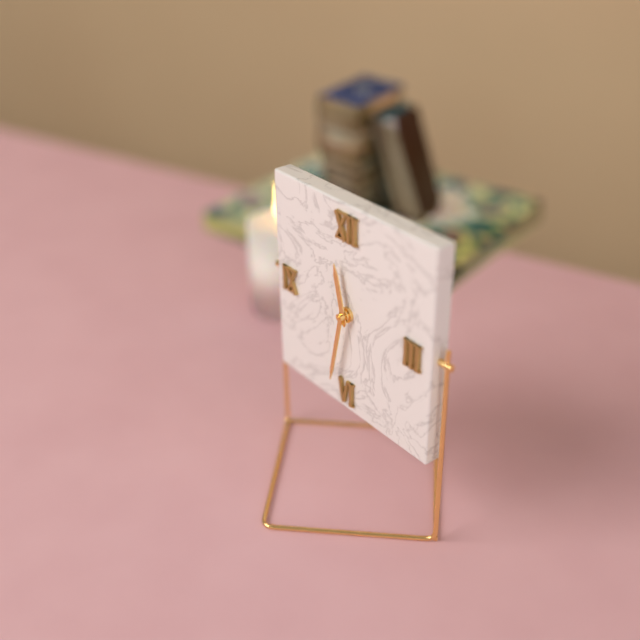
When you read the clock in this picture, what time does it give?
11:32
